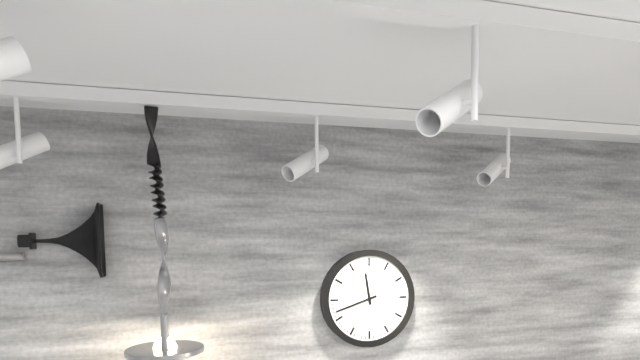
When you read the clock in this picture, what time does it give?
11:42
